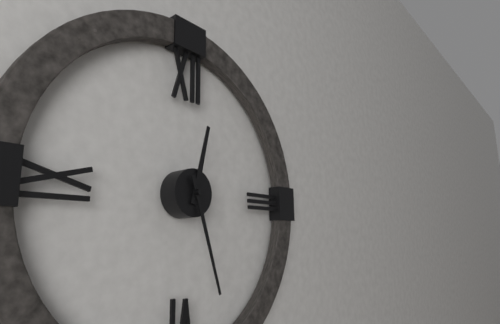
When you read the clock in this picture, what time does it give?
12:27
